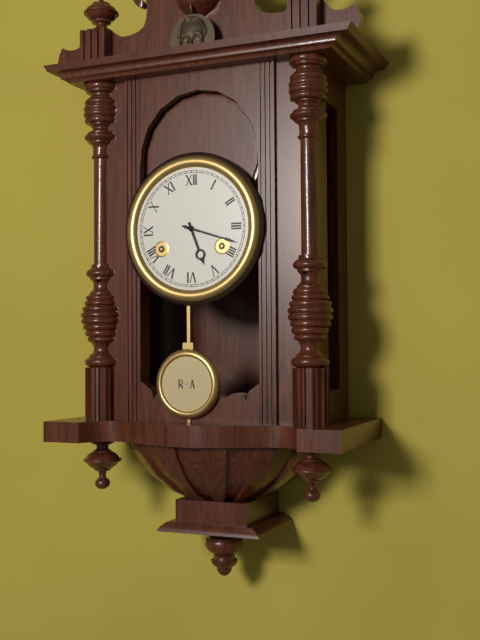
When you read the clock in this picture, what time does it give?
5:18
